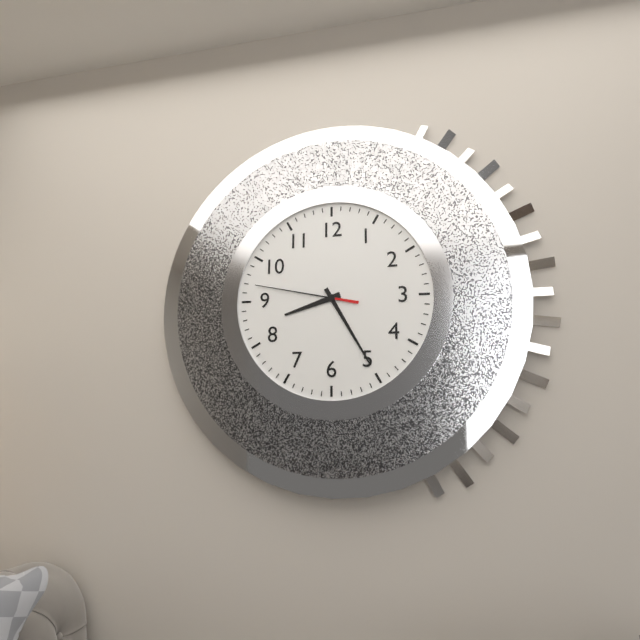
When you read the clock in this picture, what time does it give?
8:25:47
